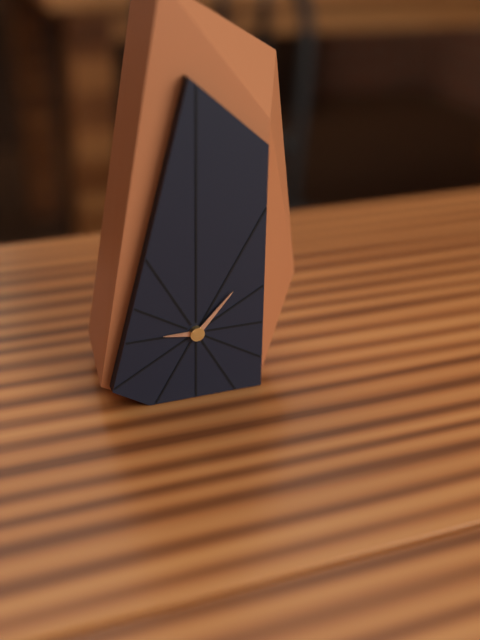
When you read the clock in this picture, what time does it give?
9:07
